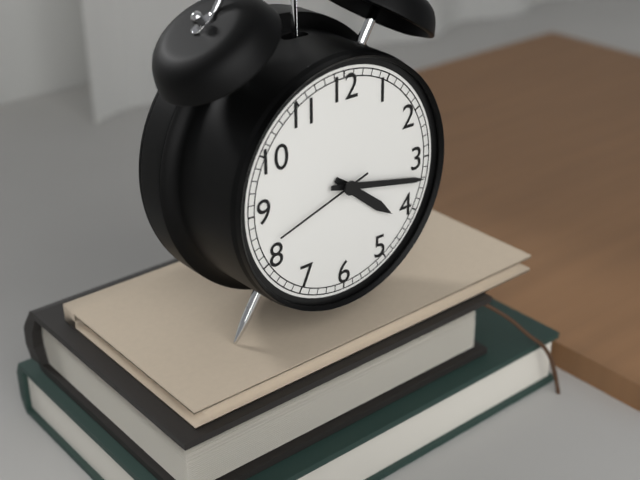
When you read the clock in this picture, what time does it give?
4:17:42
